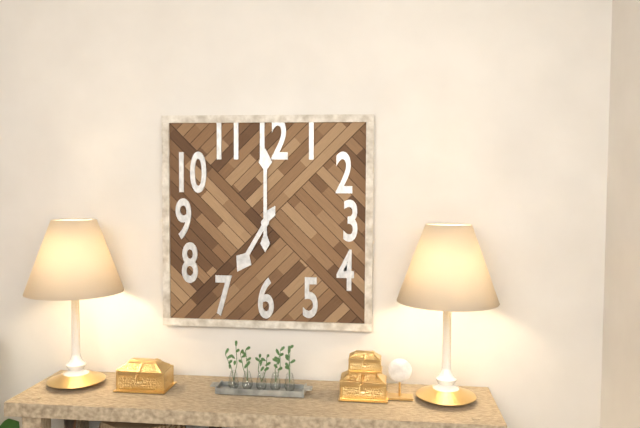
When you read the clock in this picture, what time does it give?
7:00
